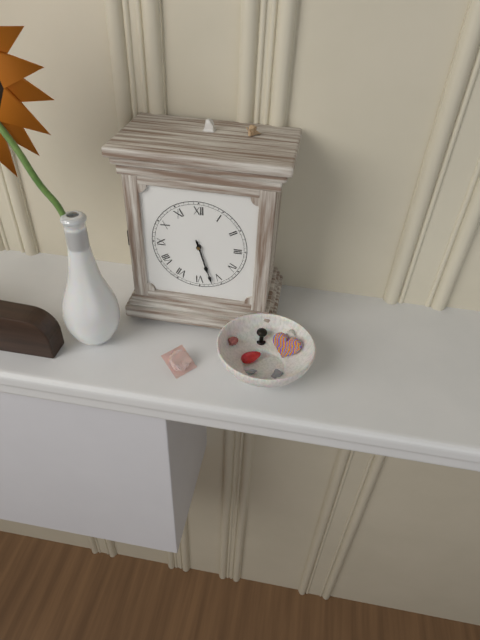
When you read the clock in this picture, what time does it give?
5:27
